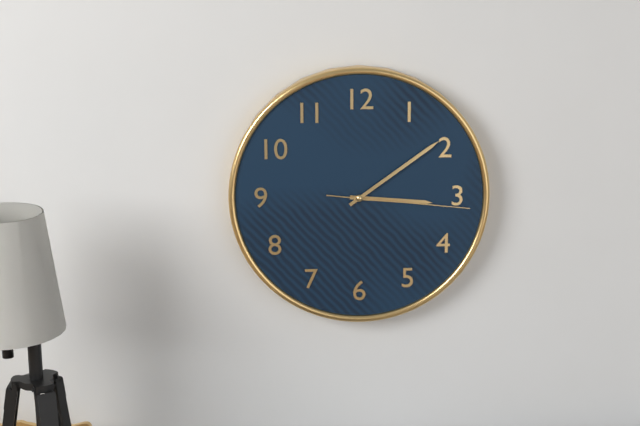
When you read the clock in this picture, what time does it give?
3:09:16
